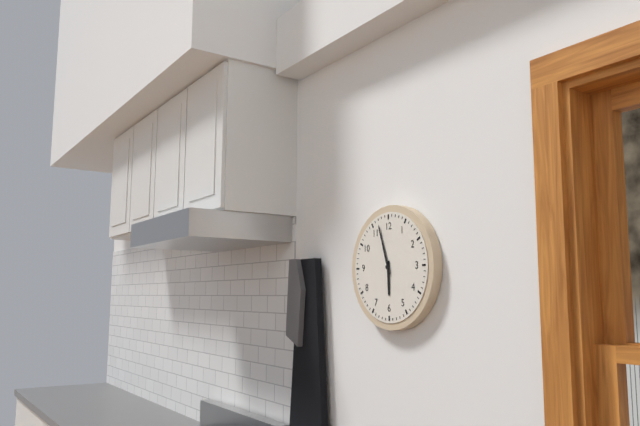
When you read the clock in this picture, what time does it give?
5:57
